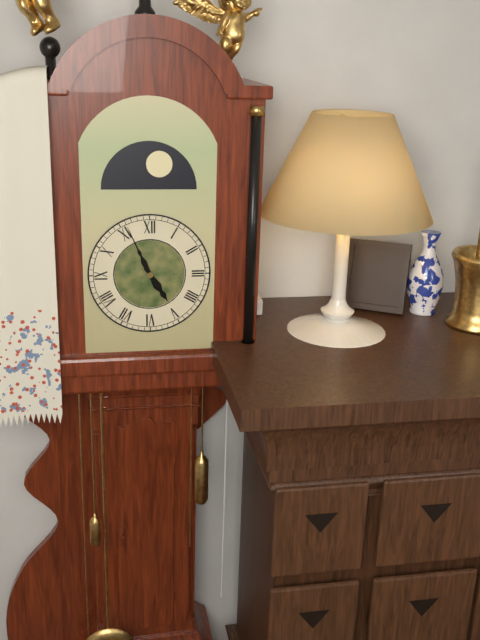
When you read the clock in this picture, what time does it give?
4:56
